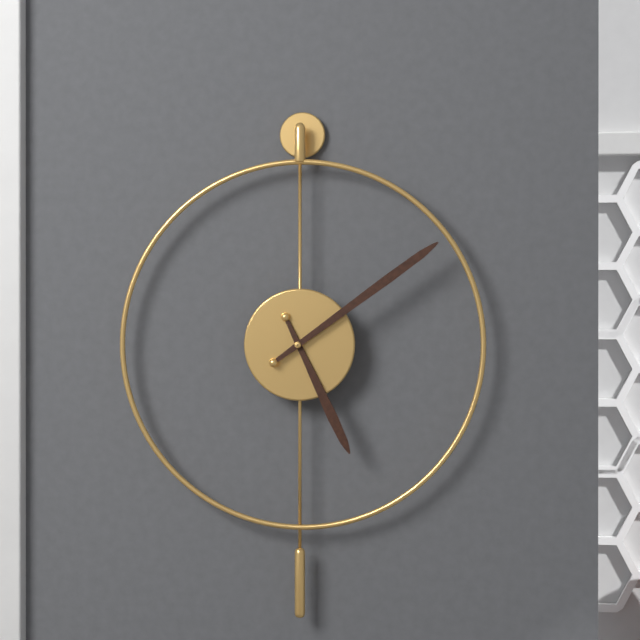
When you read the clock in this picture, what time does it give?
5:09
